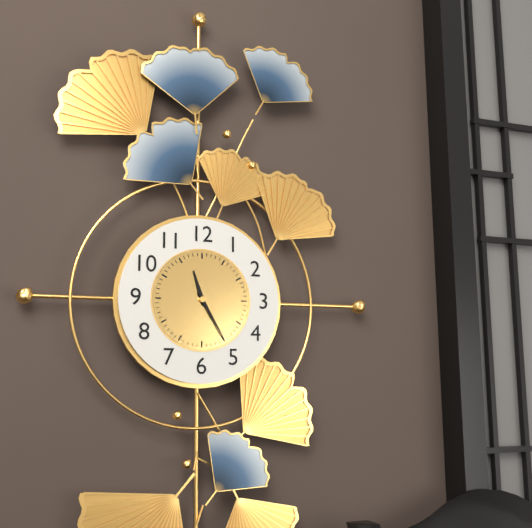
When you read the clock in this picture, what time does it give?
11:25
